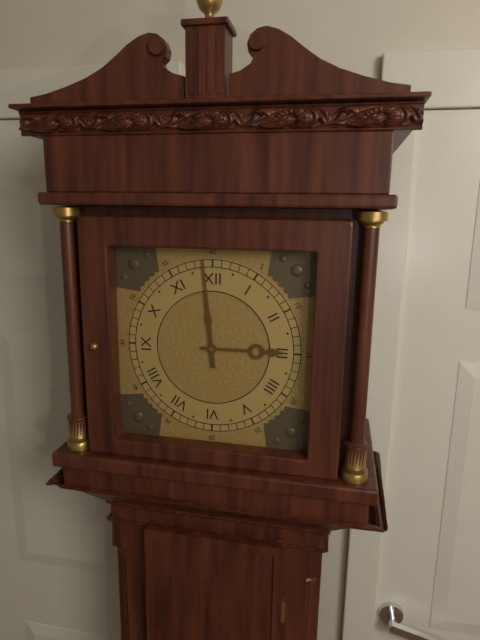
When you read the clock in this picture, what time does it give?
2:59
